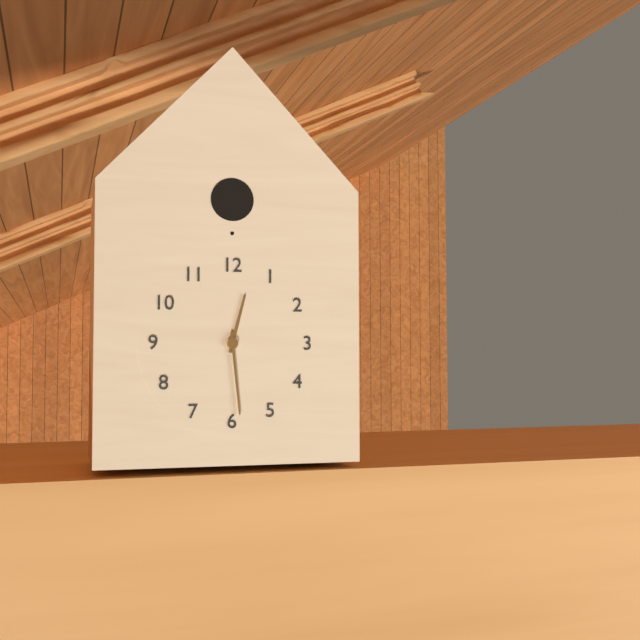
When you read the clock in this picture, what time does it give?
12:29
